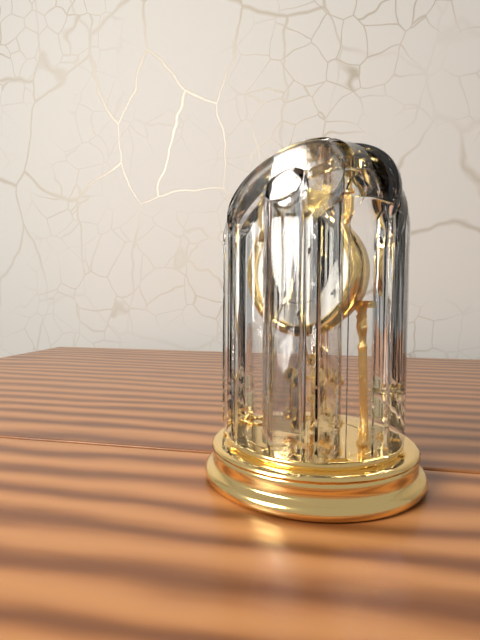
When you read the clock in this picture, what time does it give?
12:59
